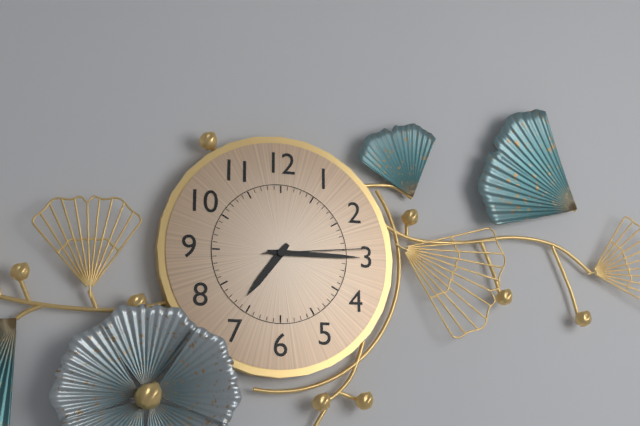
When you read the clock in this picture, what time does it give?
7:15:14
